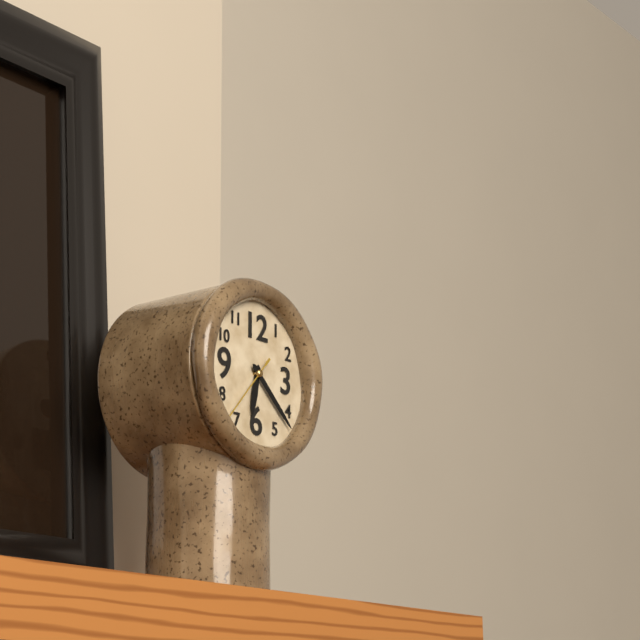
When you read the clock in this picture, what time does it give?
6:22:37
